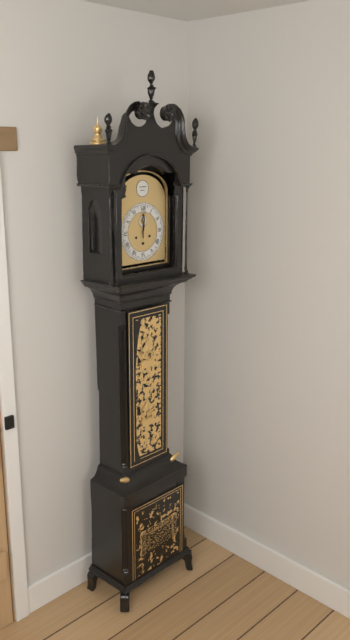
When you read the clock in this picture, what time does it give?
12:01
